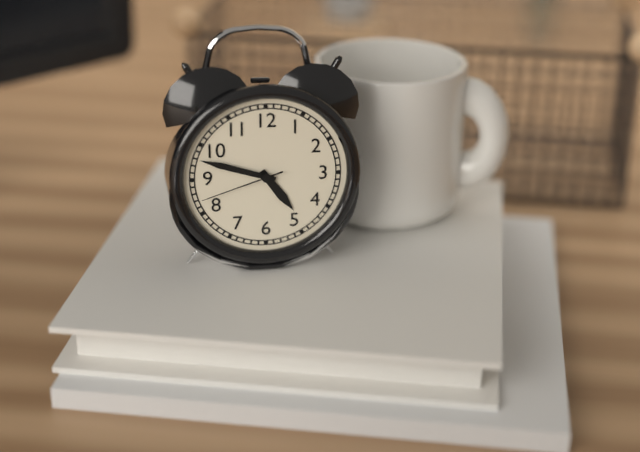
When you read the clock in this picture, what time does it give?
4:48:42
